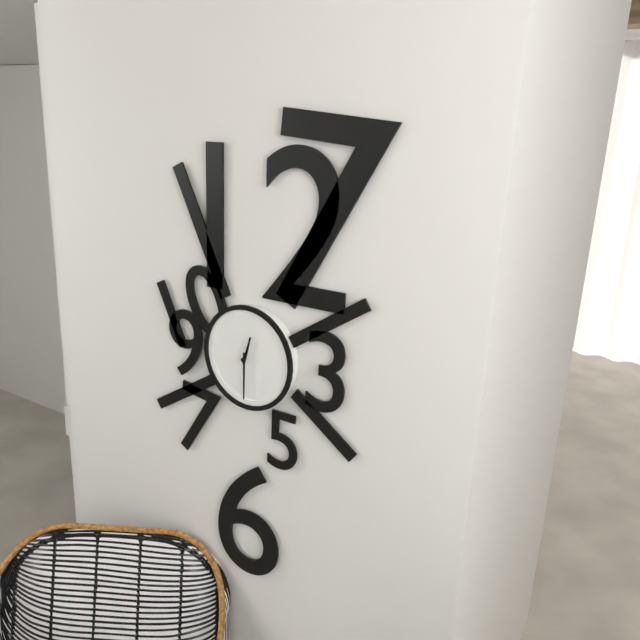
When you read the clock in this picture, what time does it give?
12:30
